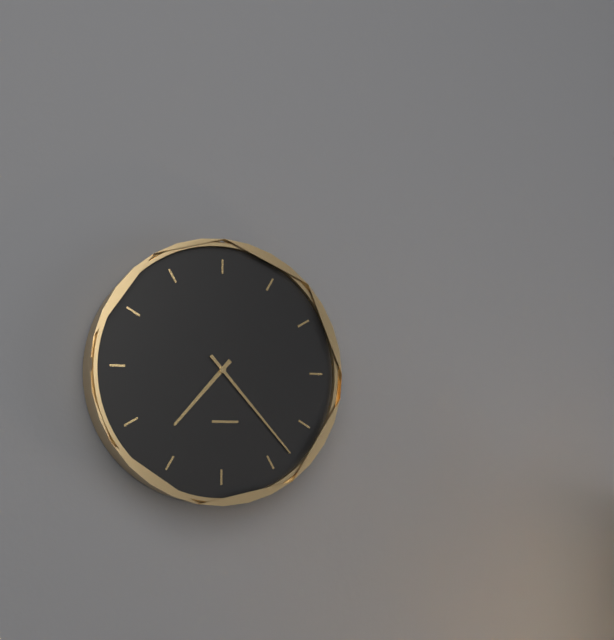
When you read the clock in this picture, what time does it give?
7:23
